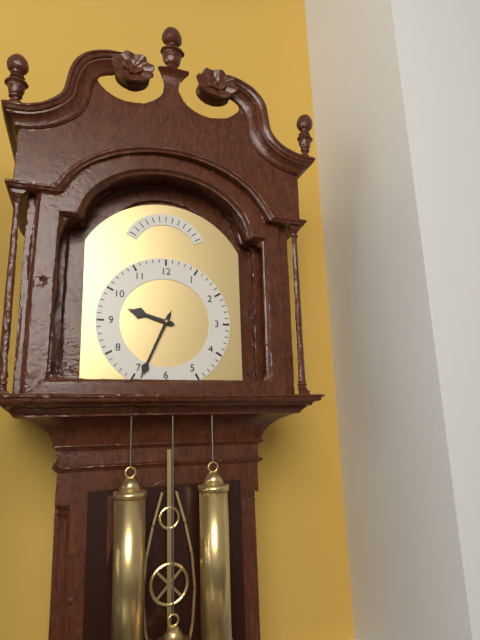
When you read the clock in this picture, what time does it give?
9:34
